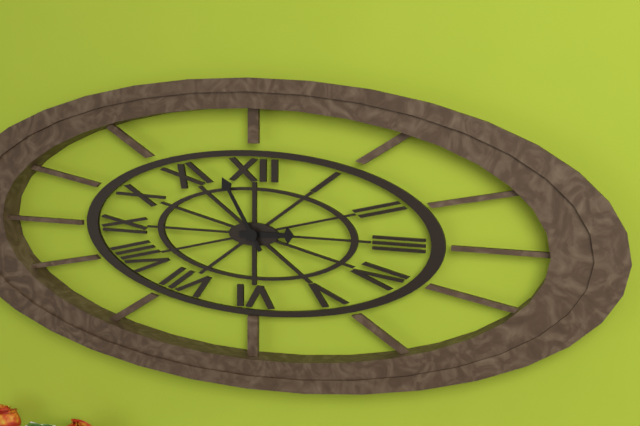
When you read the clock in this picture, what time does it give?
2:55
